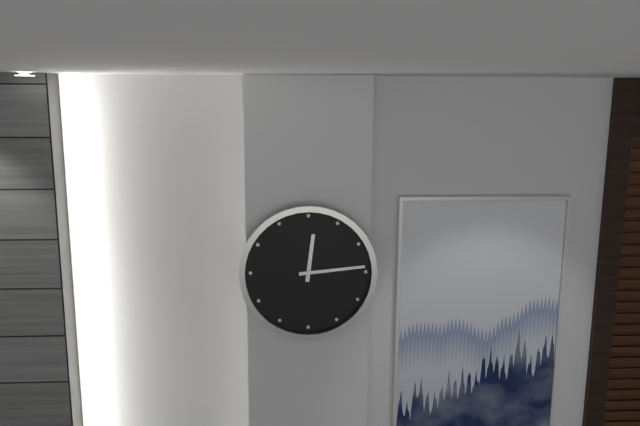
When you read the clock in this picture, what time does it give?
12:14
